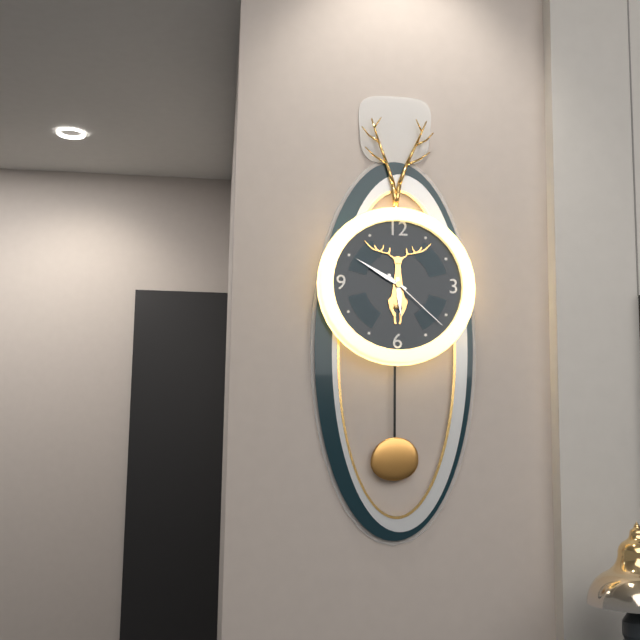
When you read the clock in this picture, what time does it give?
5:50:22
